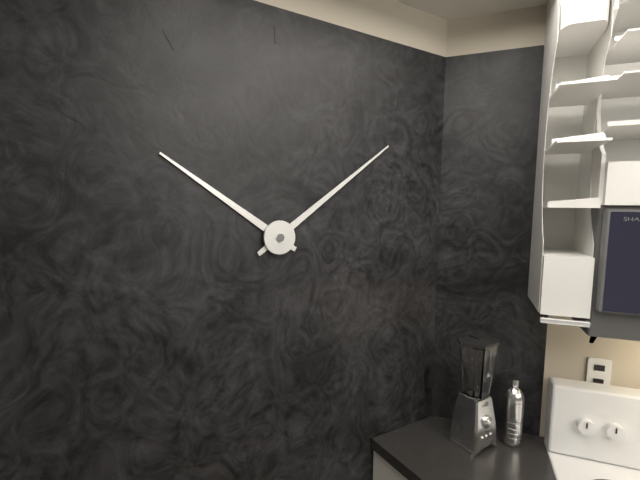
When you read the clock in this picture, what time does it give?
10:09
